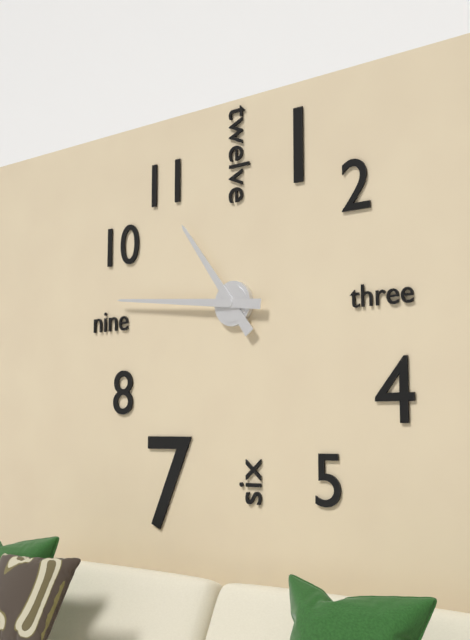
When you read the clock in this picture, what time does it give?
10:46
